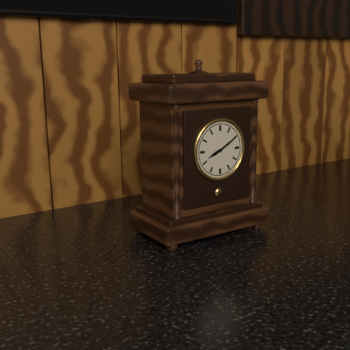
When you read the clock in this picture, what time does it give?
8:10
